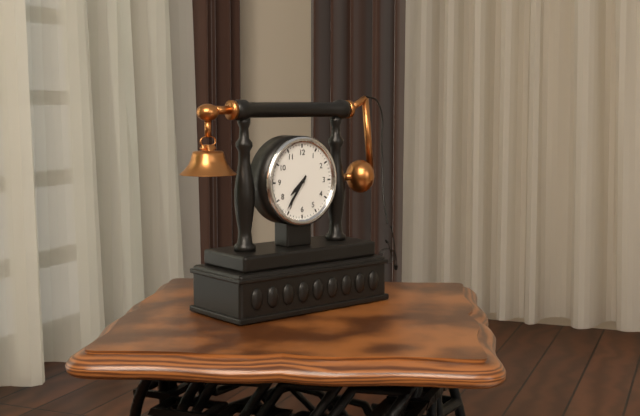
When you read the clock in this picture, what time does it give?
7:36
